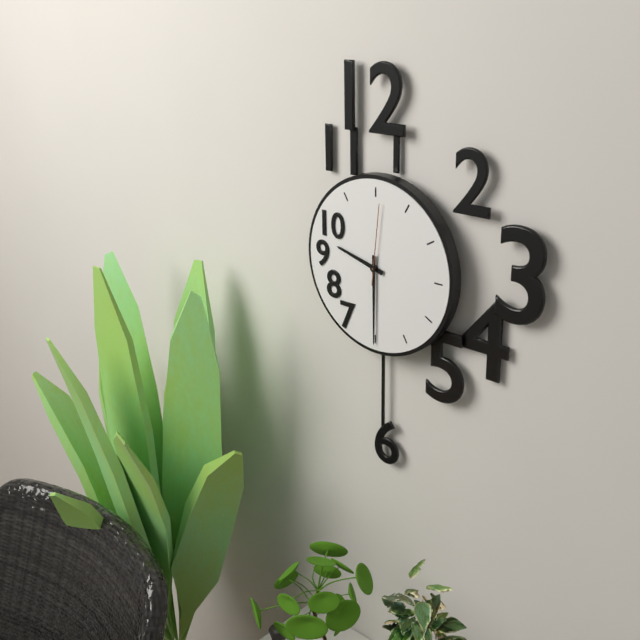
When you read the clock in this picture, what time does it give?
9:30:01
